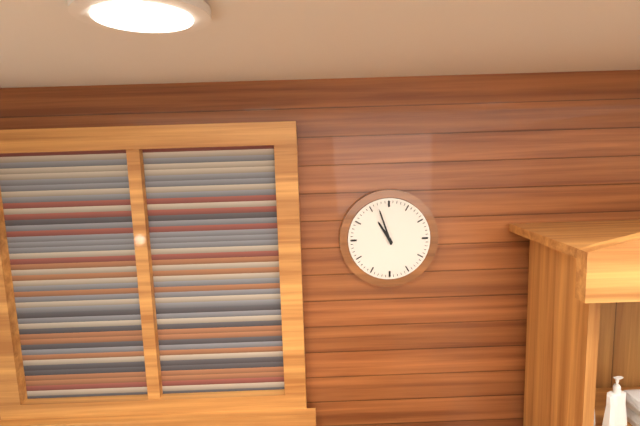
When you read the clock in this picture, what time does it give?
10:57
